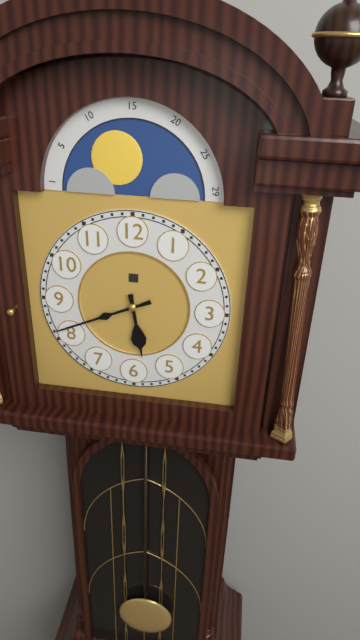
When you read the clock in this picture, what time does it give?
5:41
